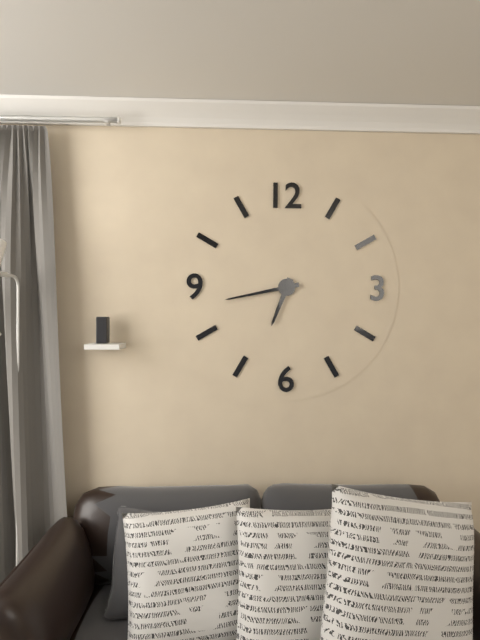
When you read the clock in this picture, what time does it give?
6:43
